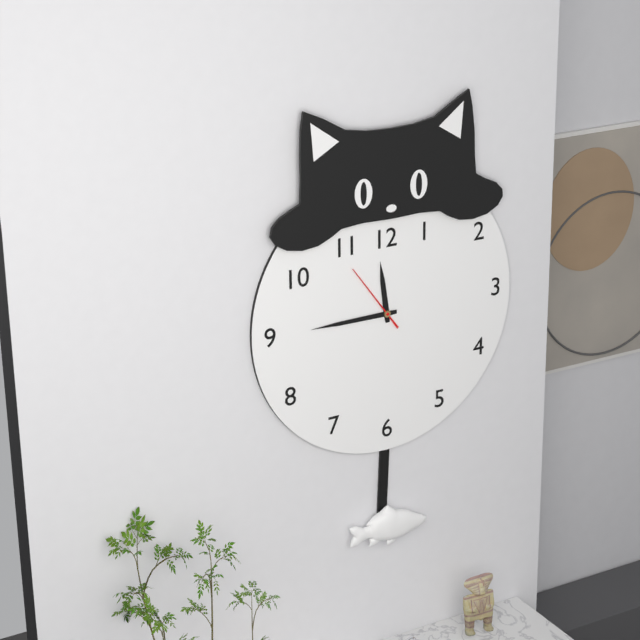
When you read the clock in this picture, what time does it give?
11:45:54
